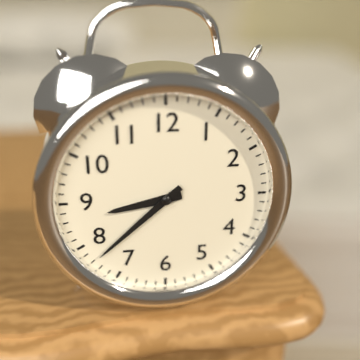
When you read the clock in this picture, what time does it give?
8:38
